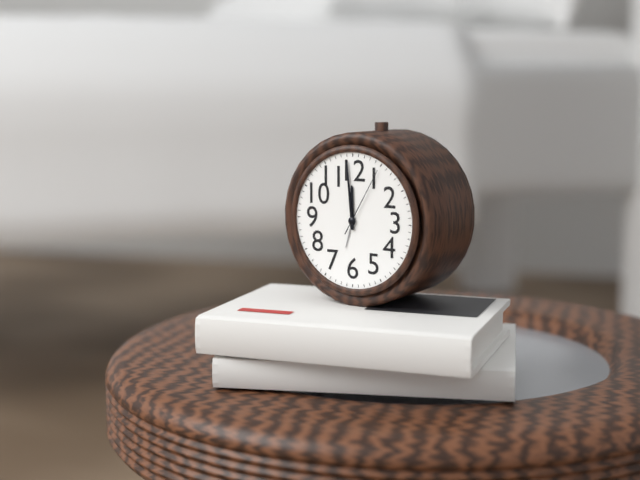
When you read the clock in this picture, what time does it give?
11:59:05
